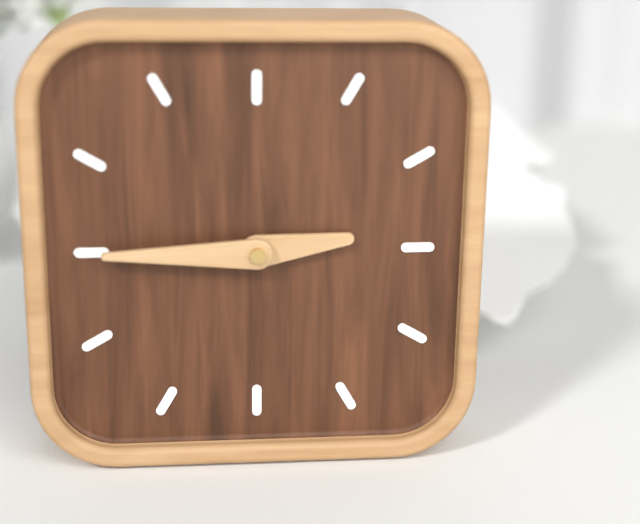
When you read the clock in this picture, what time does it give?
2:45
